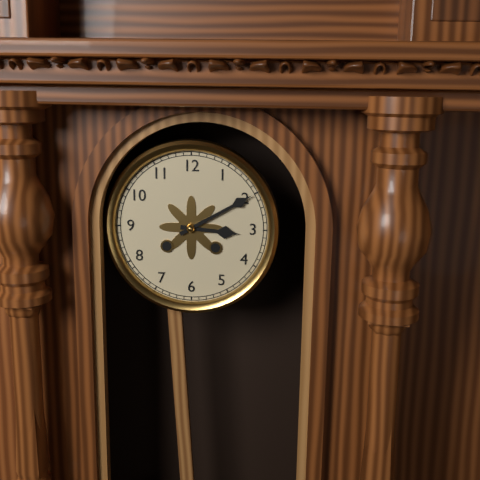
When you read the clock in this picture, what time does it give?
3:10
